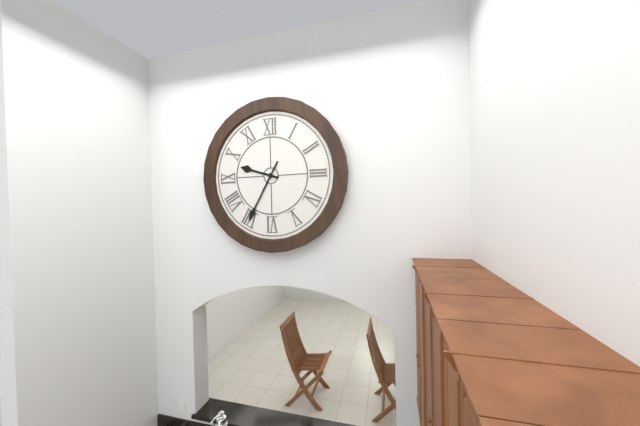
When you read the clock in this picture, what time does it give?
9:35
